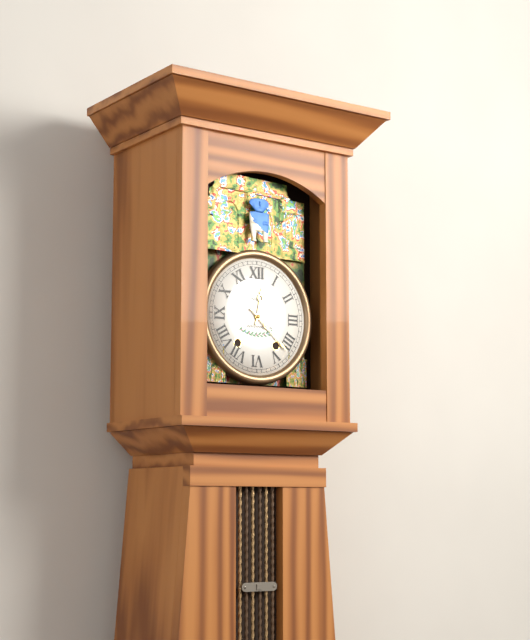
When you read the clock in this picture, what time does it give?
12:22
